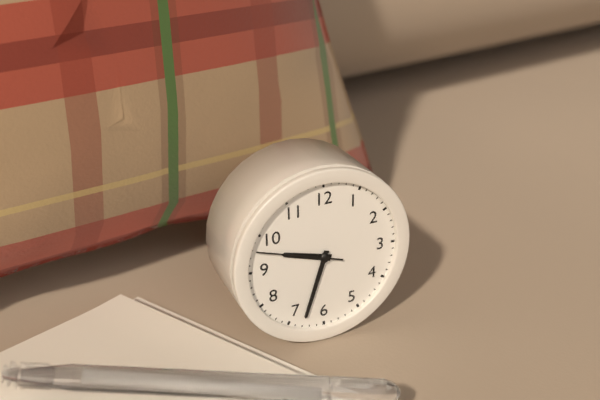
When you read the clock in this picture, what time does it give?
9:33:48
